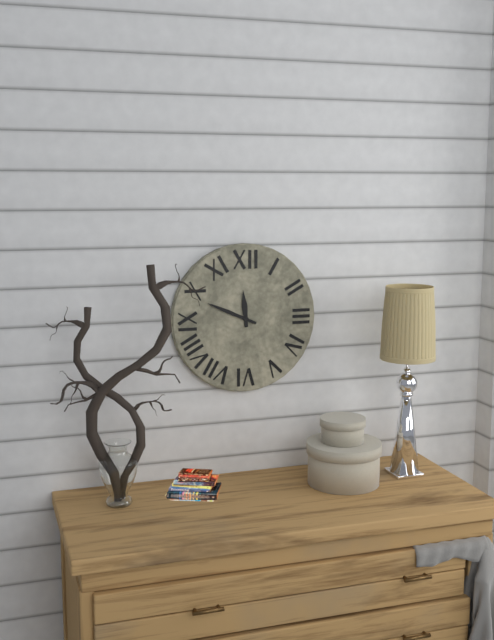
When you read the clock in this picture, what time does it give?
11:49
